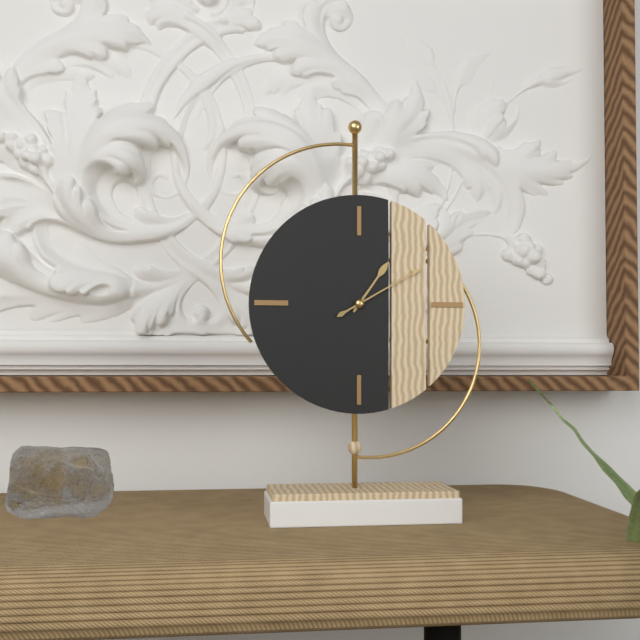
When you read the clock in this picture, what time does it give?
1:10
